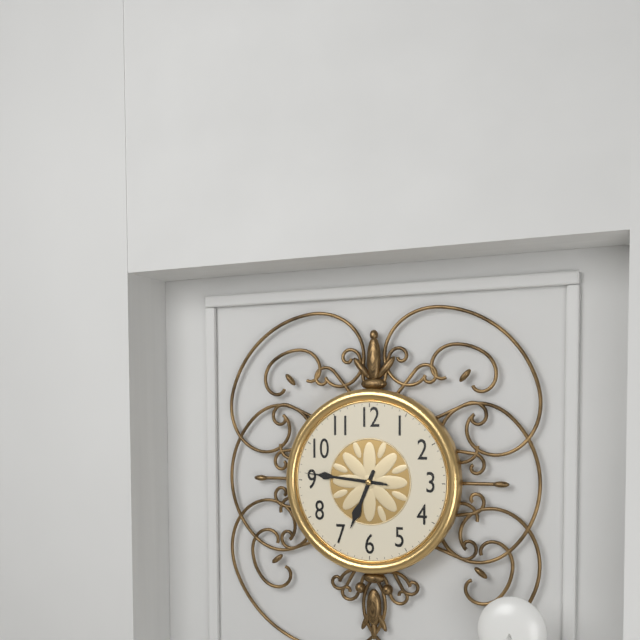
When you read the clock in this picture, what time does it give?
6:46:46
